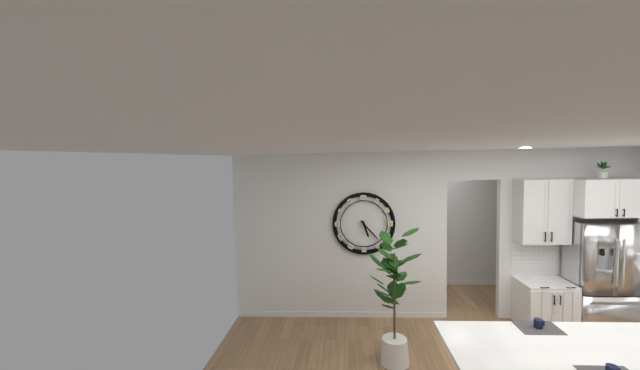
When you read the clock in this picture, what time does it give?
5:23
